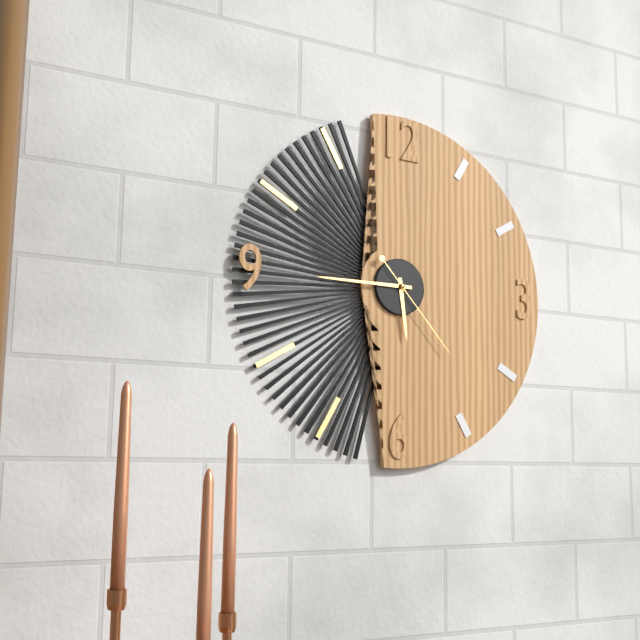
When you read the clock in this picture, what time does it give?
5:45:23
